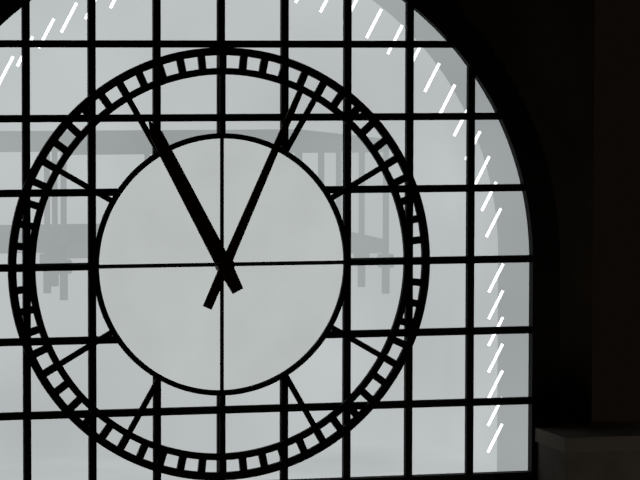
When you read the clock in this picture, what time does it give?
11:04
